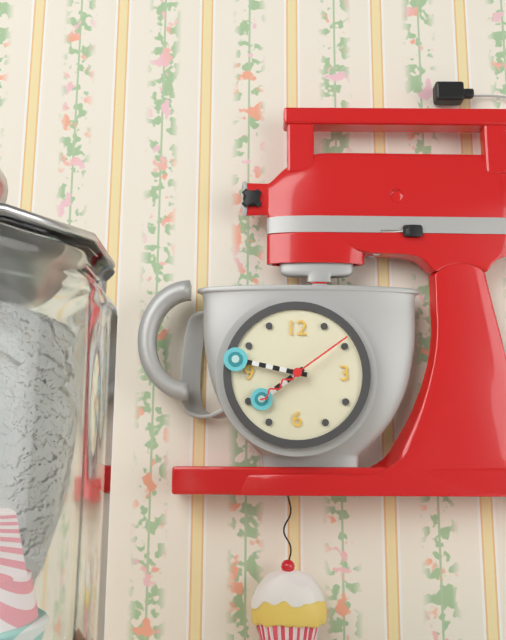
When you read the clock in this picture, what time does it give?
7:47:09
